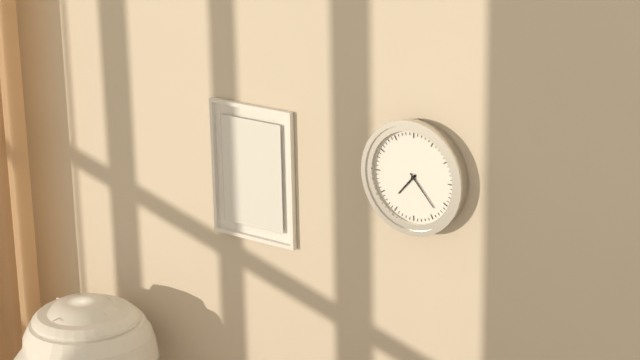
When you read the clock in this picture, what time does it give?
7:23
